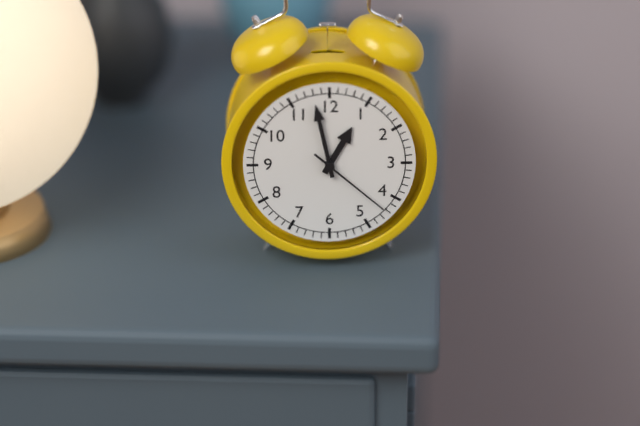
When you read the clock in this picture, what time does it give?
12:58:22
